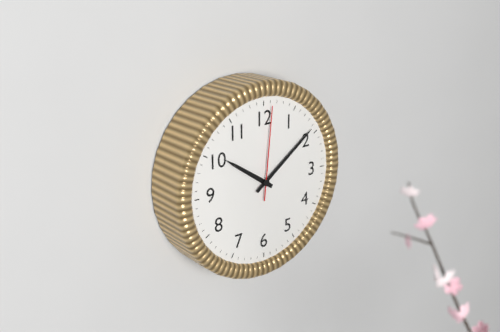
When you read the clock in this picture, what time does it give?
10:09:01
